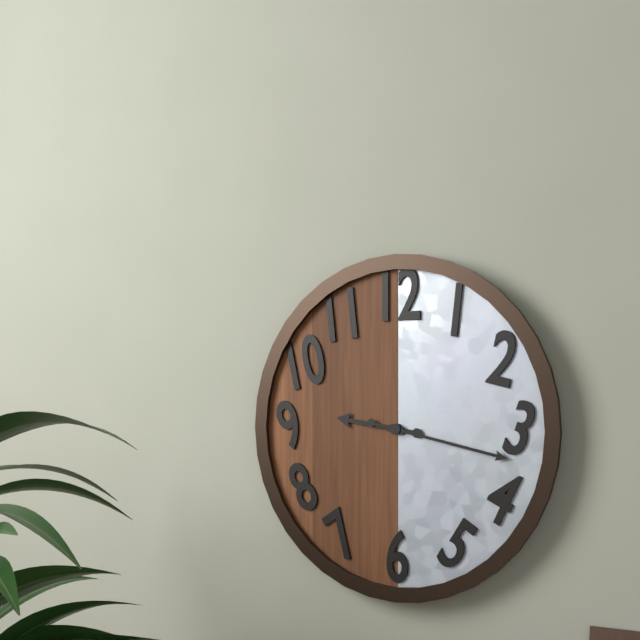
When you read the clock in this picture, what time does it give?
9:17
